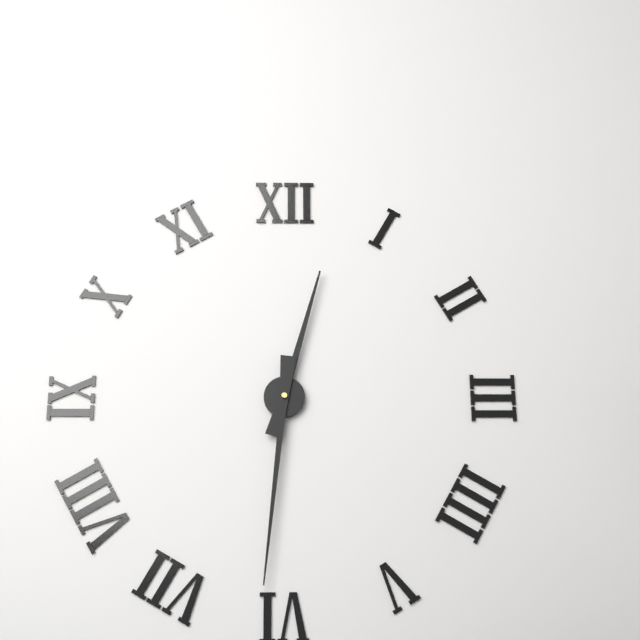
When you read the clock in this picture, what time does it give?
12:31
